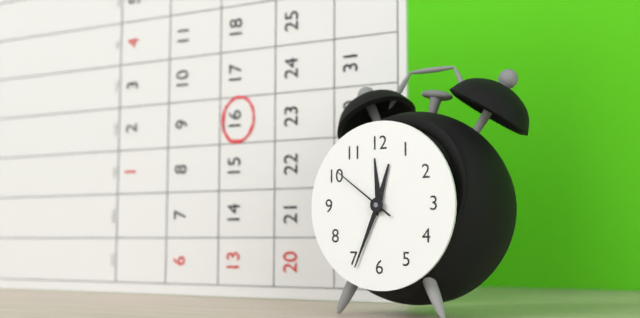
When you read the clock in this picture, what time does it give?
12:34:51
